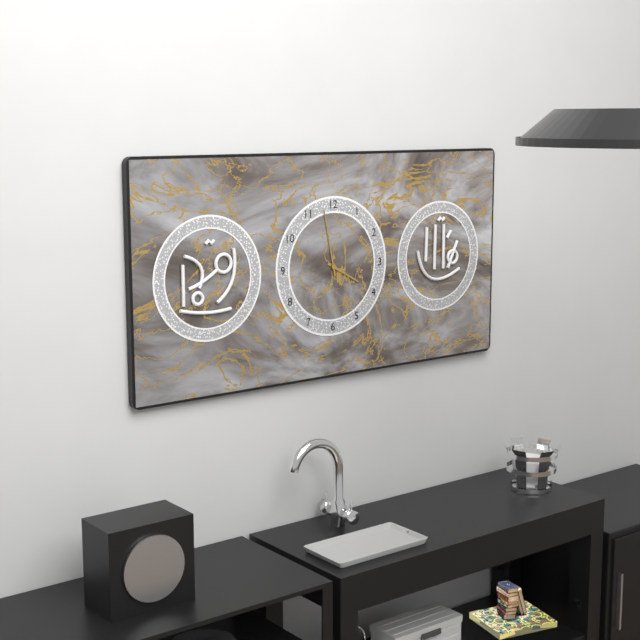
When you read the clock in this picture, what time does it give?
3:58
